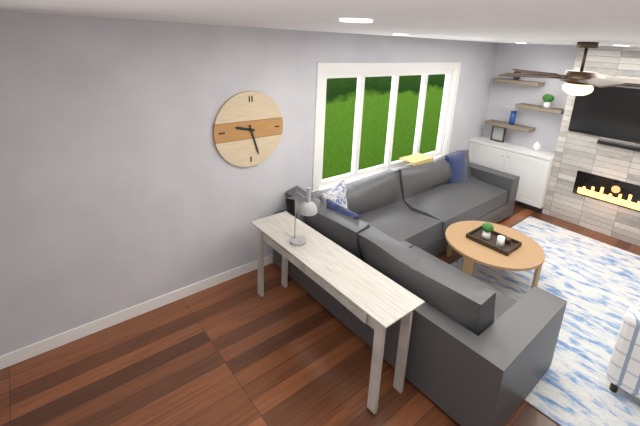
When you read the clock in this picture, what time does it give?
9:27
